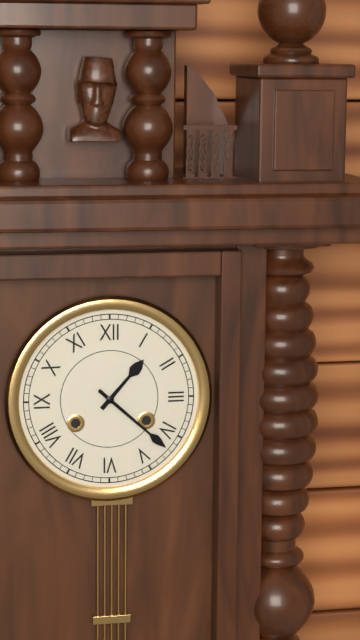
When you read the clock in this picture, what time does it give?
1:22
